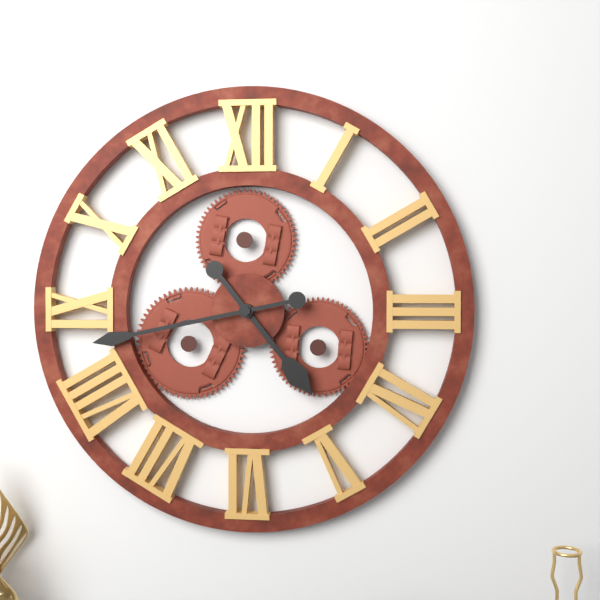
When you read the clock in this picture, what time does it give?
4:43
